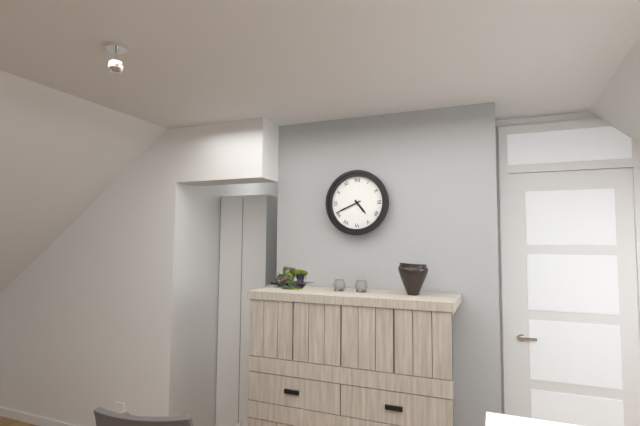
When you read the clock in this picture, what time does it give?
4:41
